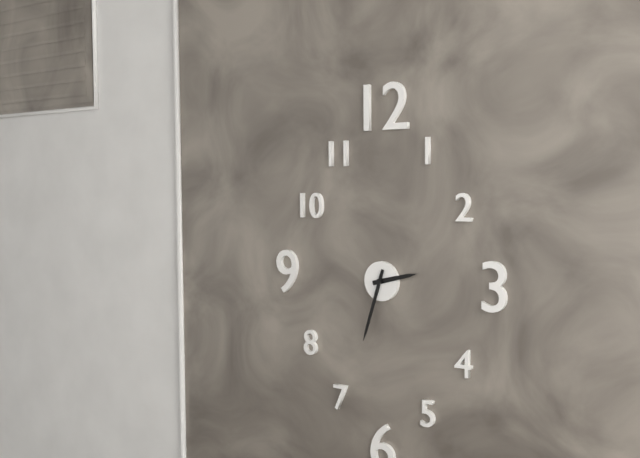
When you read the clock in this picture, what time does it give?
2:33
